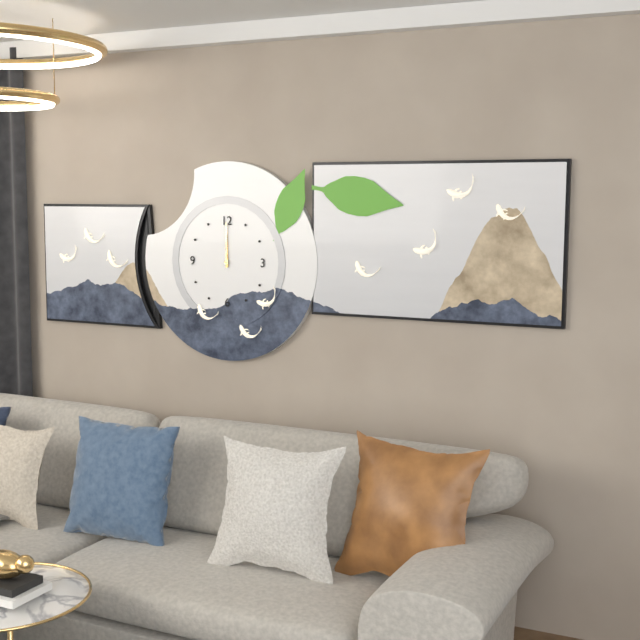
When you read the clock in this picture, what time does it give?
12:00
